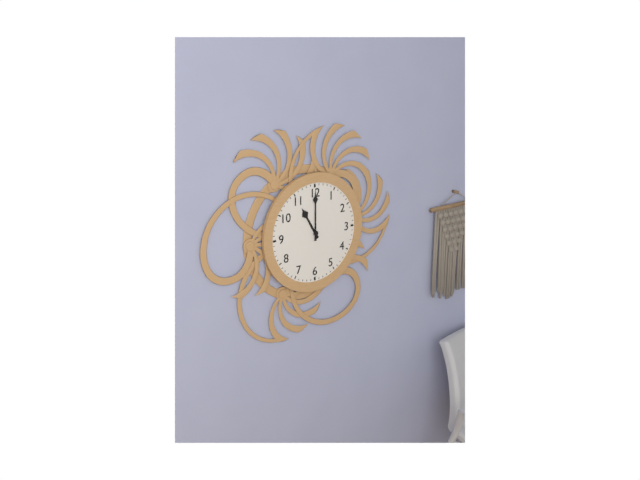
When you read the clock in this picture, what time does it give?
11:00
